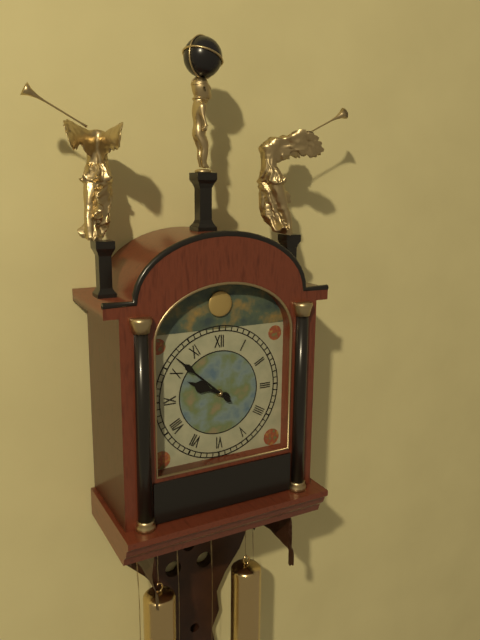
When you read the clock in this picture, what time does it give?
9:52
